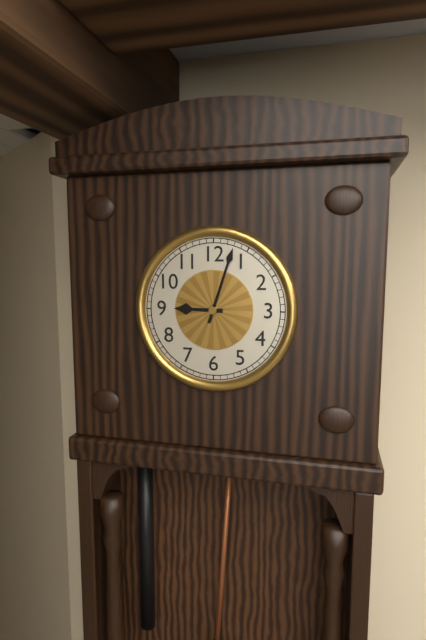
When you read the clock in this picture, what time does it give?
9:03
